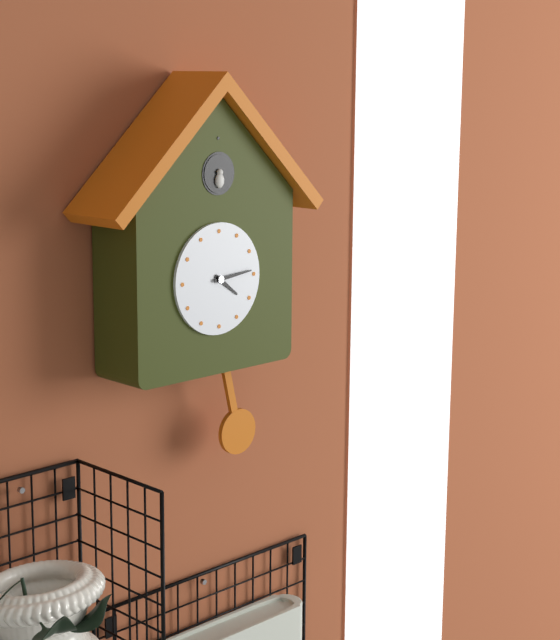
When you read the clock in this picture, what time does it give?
4:14
